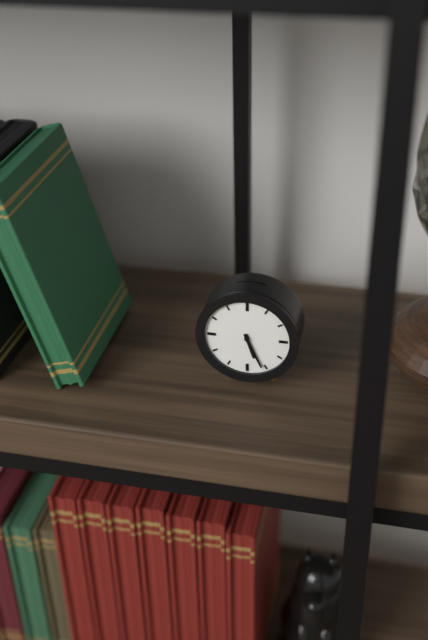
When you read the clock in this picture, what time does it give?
5:26
